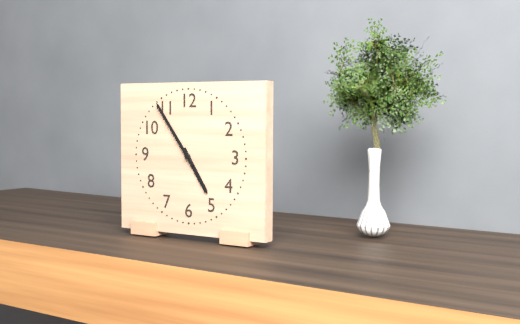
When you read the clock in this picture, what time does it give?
4:54
